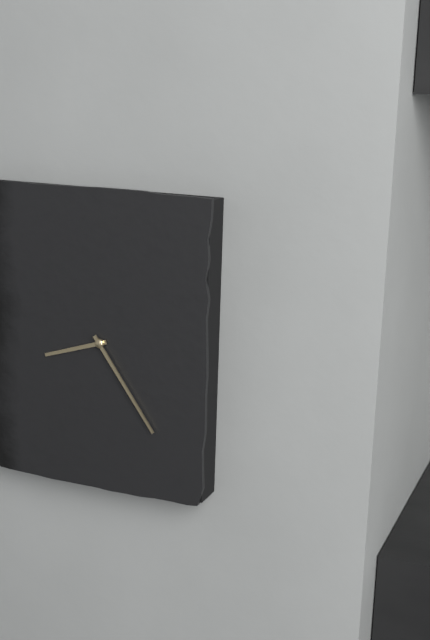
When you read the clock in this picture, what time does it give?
8:24
